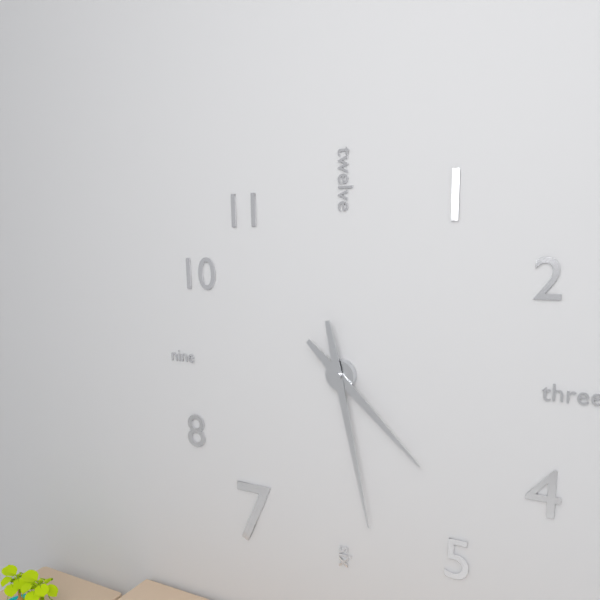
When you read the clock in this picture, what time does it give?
4:28
